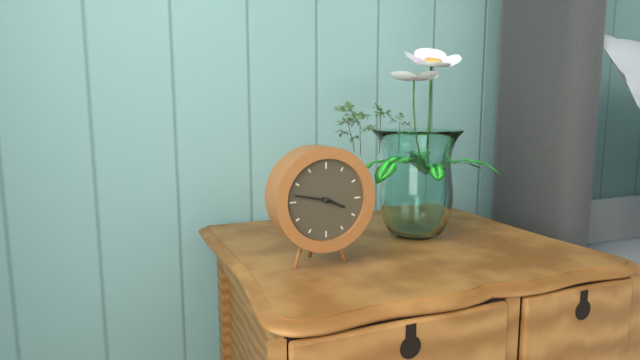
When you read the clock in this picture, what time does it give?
3:47
